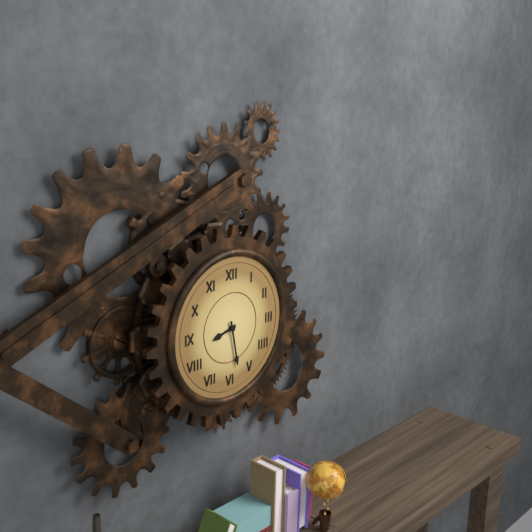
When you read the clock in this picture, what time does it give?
8:28
